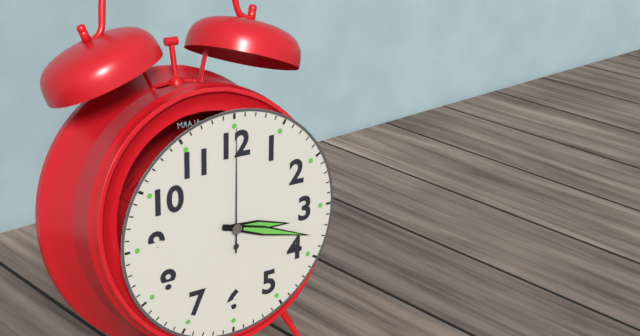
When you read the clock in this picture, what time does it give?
3:18:00
